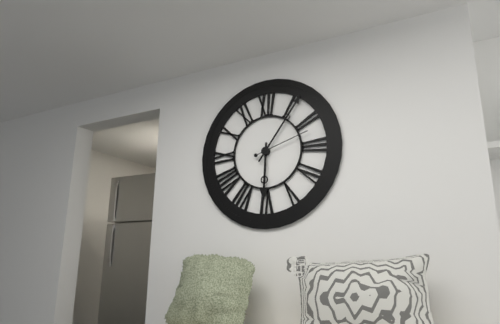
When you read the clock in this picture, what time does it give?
6:06:12
